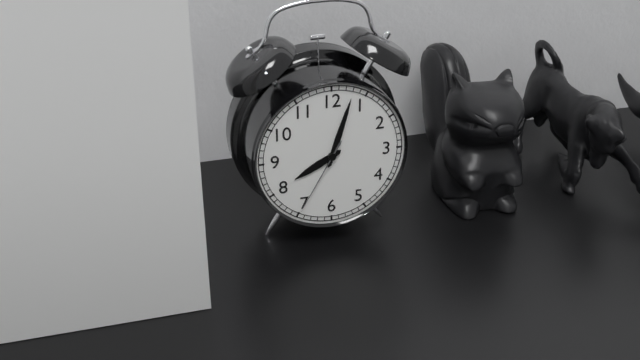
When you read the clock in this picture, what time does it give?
8:03:35
